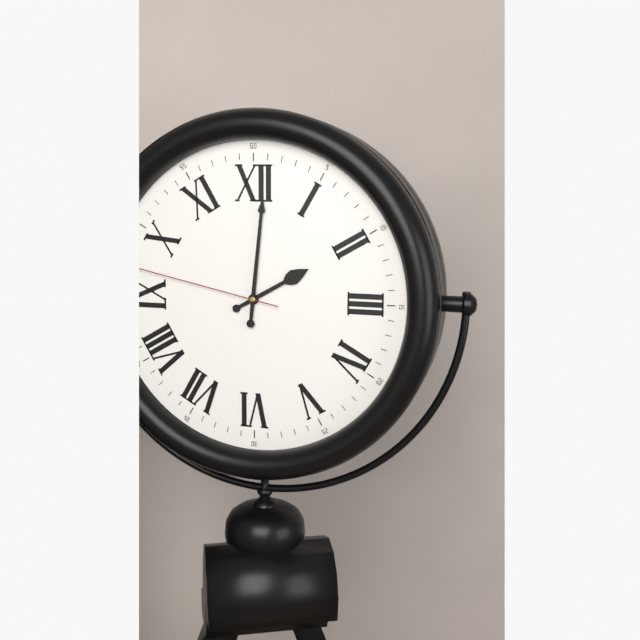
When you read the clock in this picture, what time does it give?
2:01:47
